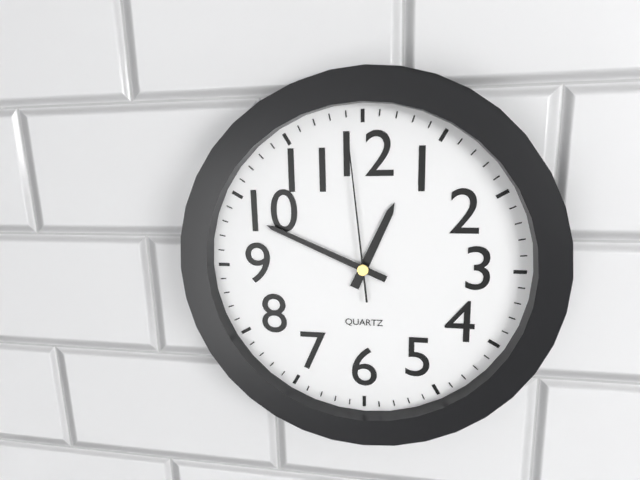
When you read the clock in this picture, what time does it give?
12:49:59
